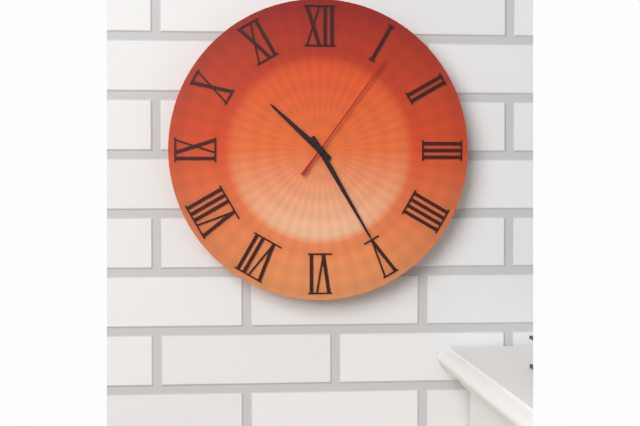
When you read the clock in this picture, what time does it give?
10:25:06
